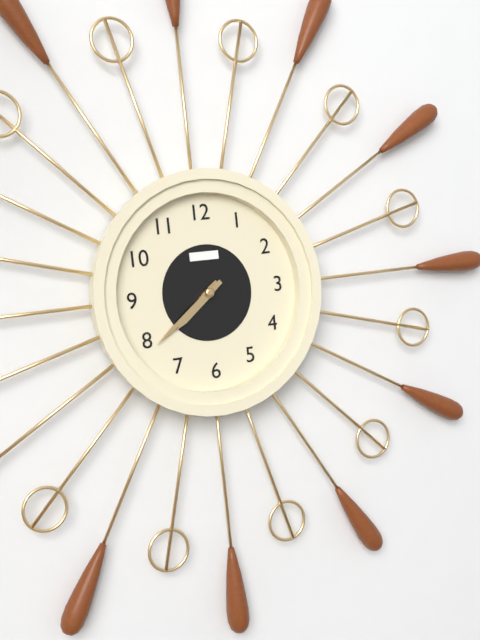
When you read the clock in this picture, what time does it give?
7:39
